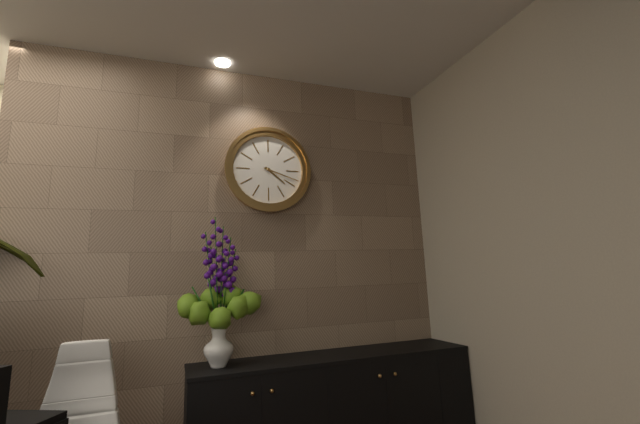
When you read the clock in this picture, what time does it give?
4:18
